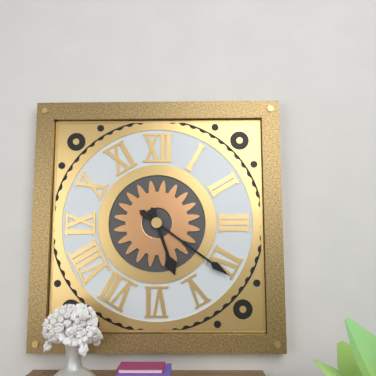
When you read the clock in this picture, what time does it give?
5:21
